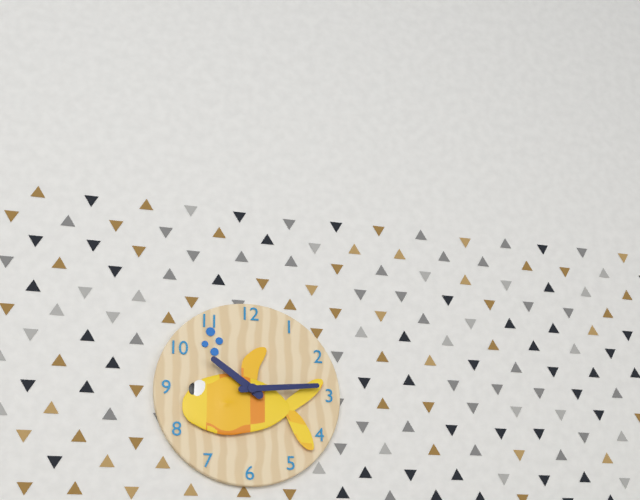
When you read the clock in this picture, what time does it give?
10:14
